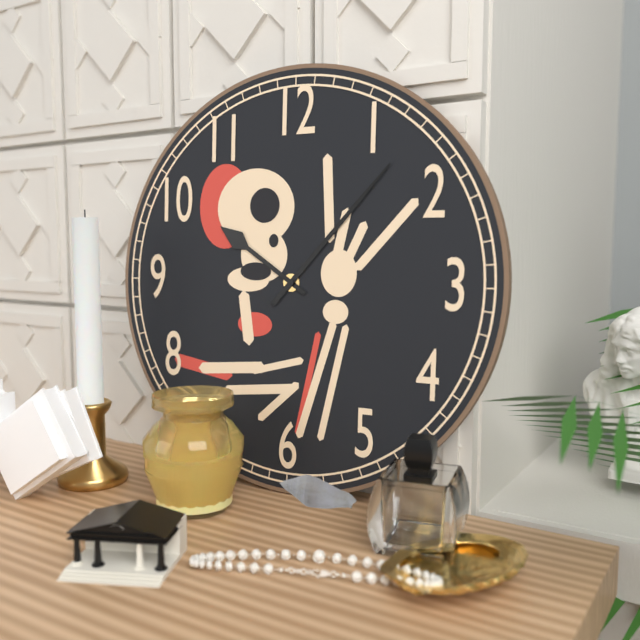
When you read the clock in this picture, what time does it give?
10:07
